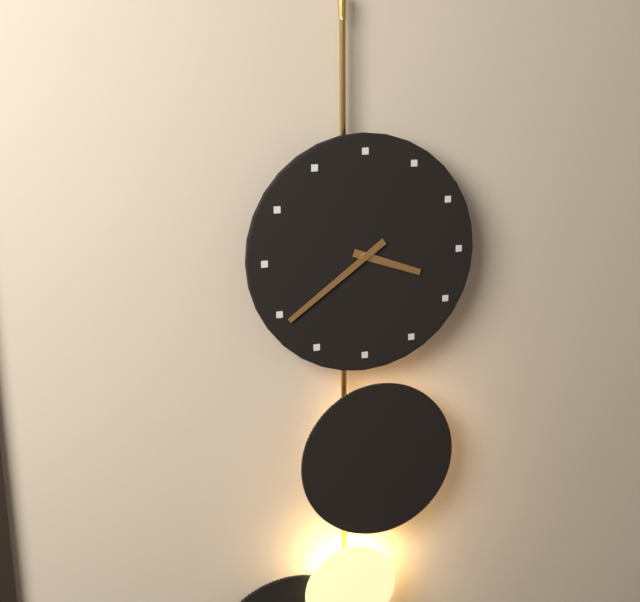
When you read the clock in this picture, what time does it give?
3:39
